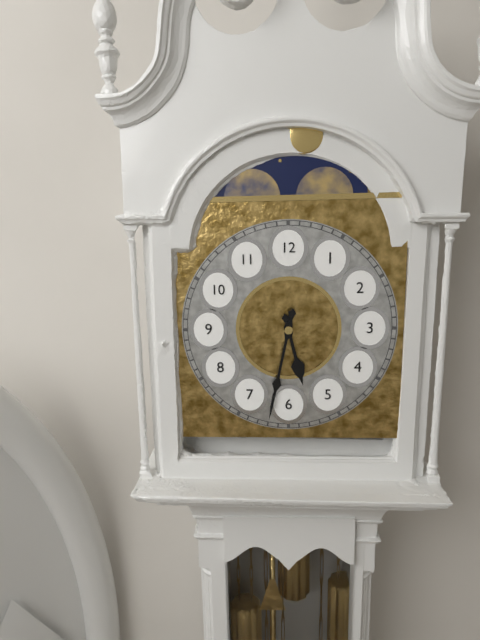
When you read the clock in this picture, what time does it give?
5:32
